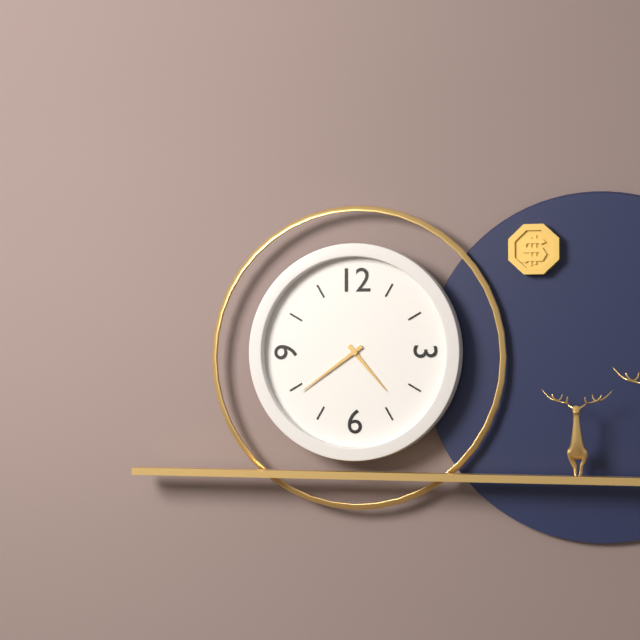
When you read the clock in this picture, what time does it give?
4:39
